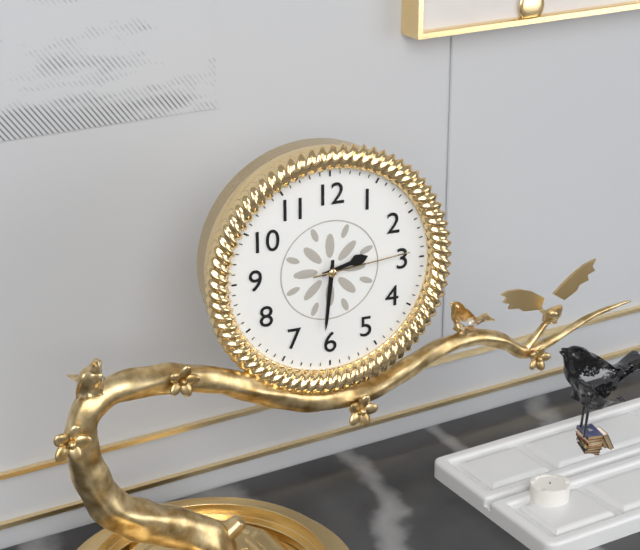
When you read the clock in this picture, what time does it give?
2:31:14
